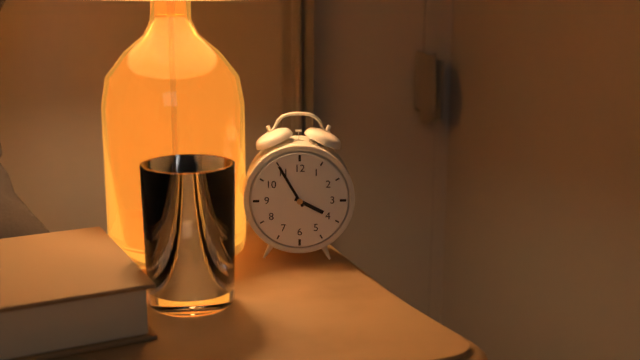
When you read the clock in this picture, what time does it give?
3:55
